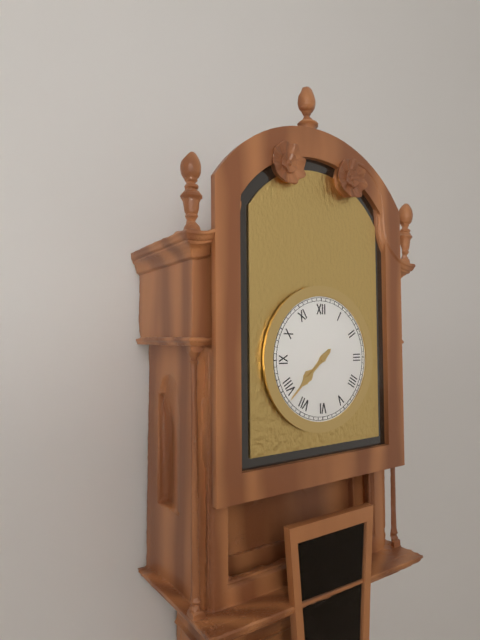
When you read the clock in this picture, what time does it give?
7:38
